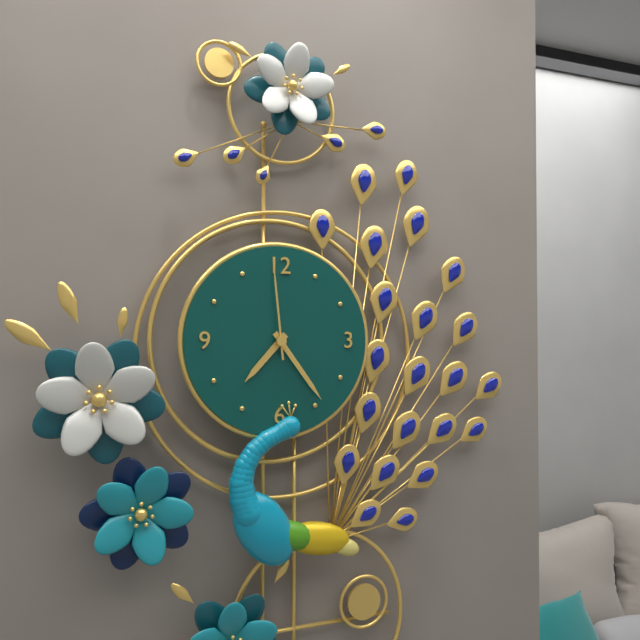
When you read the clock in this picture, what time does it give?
7:24:59
